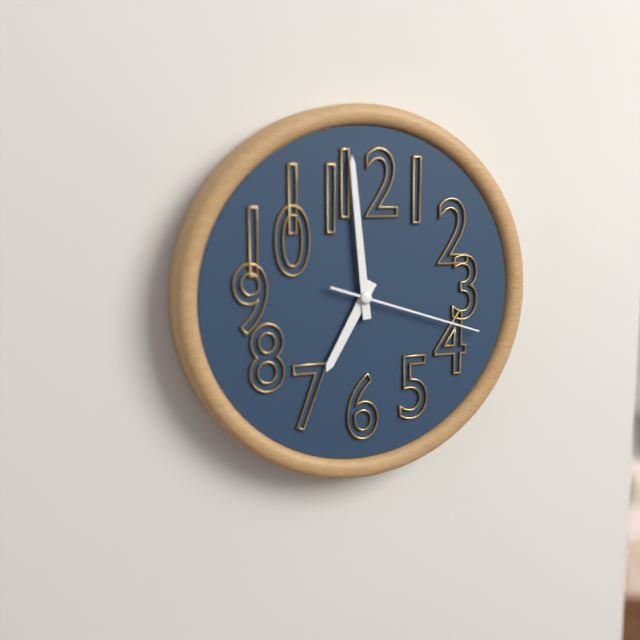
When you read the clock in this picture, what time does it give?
6:59:18
